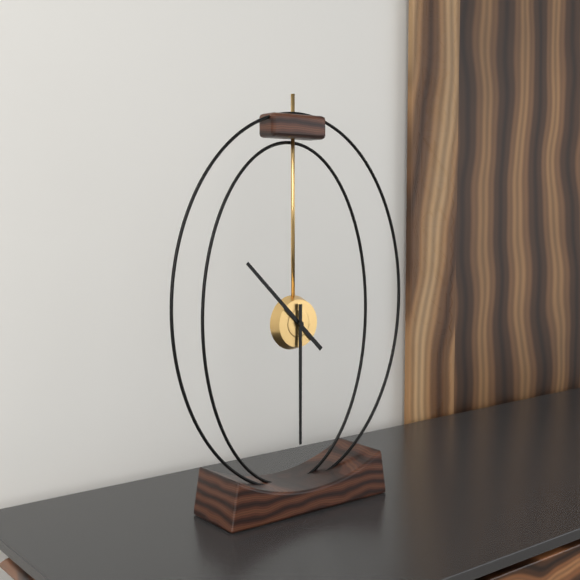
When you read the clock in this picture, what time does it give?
10:30
